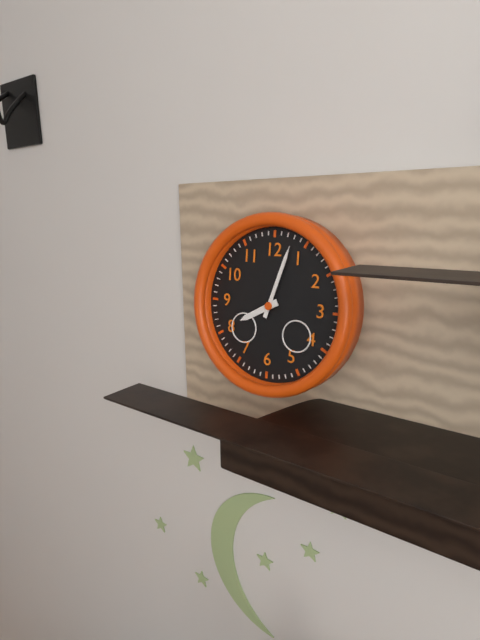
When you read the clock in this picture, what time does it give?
8:03
